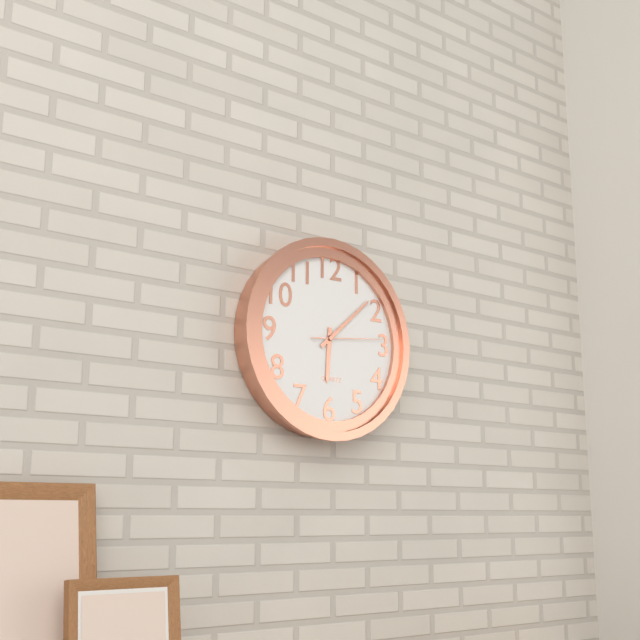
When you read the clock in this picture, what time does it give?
6:08:14
